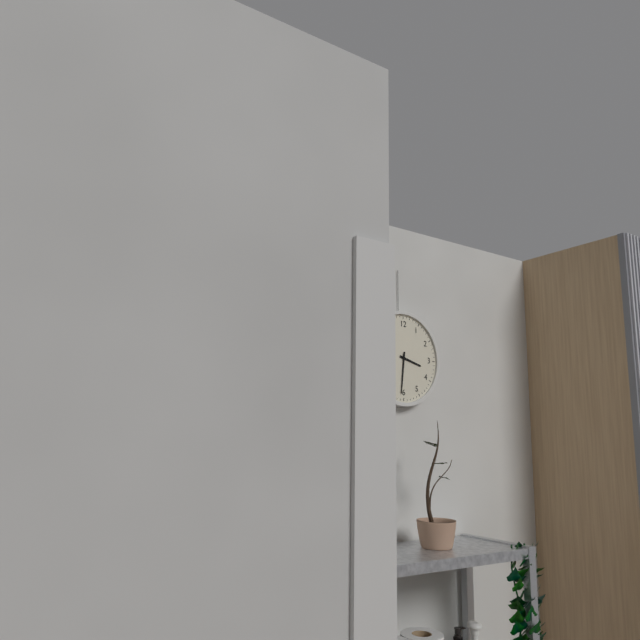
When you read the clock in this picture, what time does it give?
3:31
